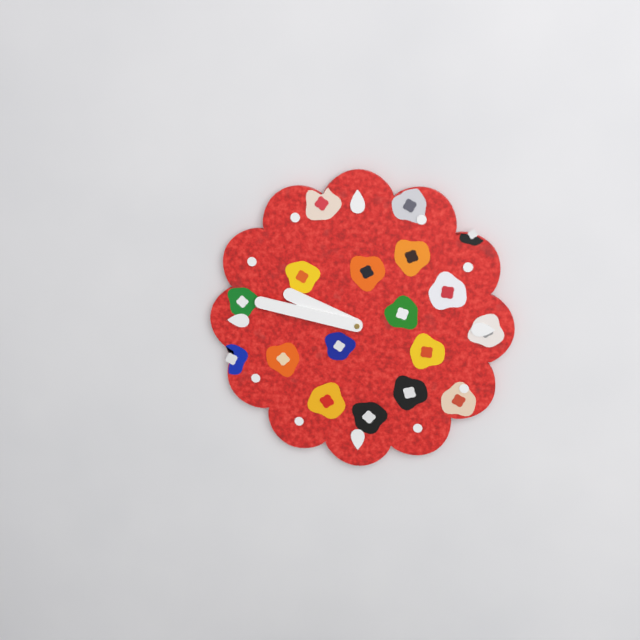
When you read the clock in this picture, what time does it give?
9:47
